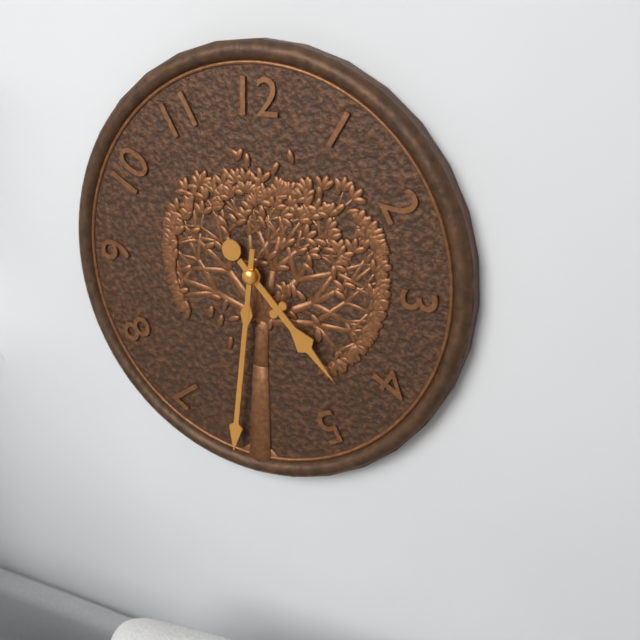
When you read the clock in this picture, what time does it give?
4:31
